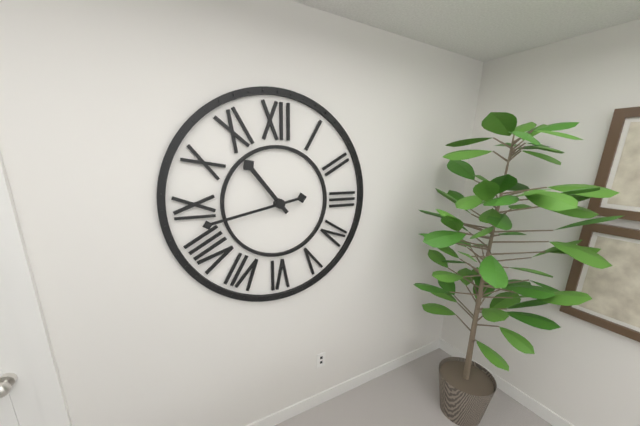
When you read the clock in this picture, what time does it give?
10:43
